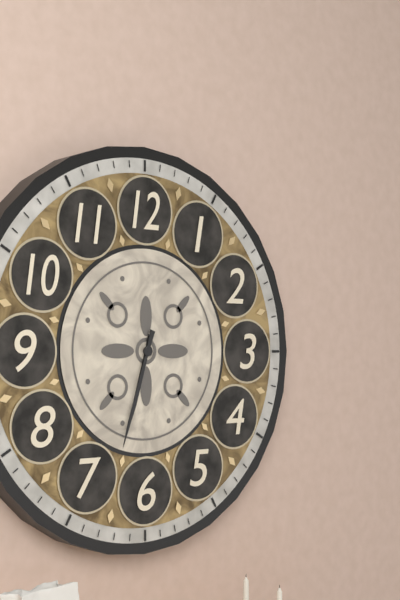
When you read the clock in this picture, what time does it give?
6:33
